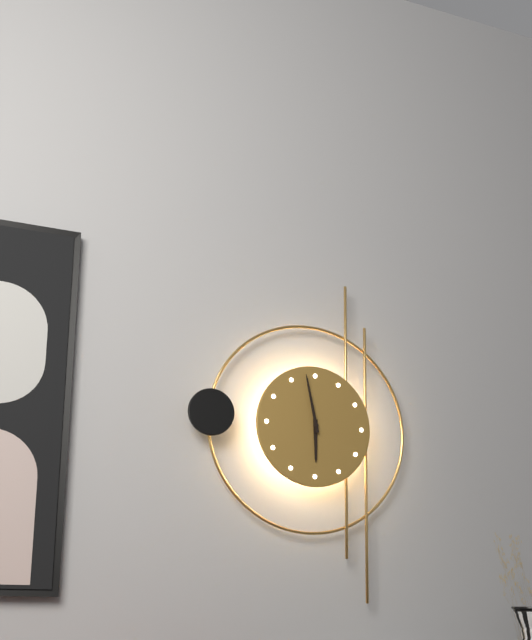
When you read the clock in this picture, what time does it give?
5:58
